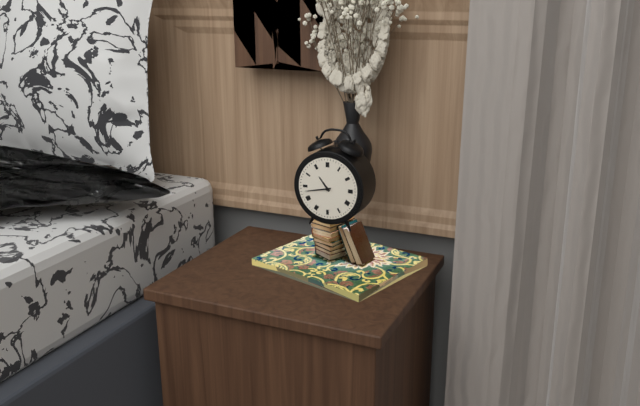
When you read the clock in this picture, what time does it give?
10:43
